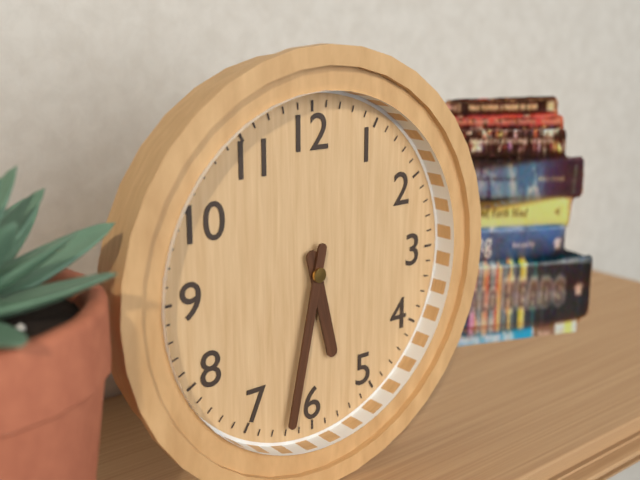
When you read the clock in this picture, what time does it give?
5:32
